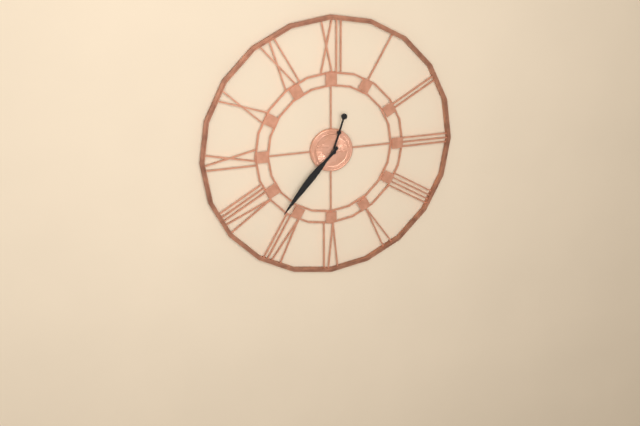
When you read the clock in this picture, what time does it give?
12:37
